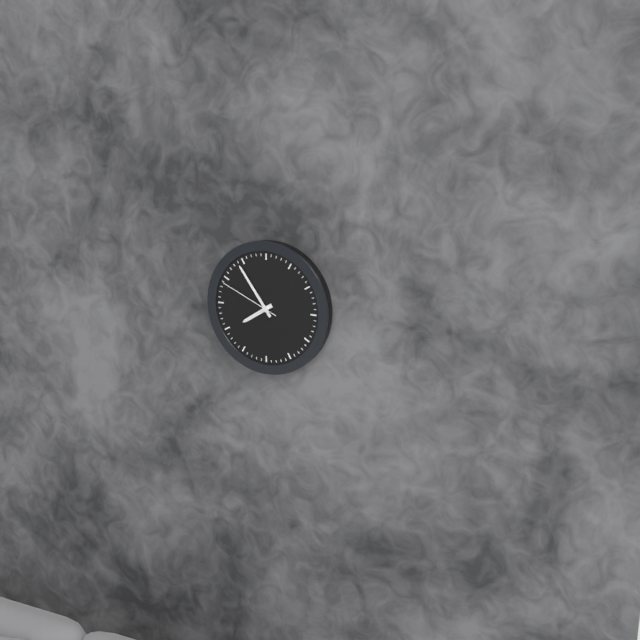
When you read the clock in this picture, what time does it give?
7:54:49
